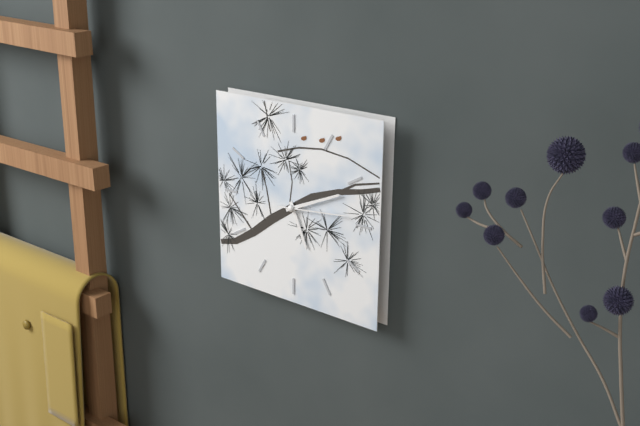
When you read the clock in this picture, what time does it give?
5:11:14
